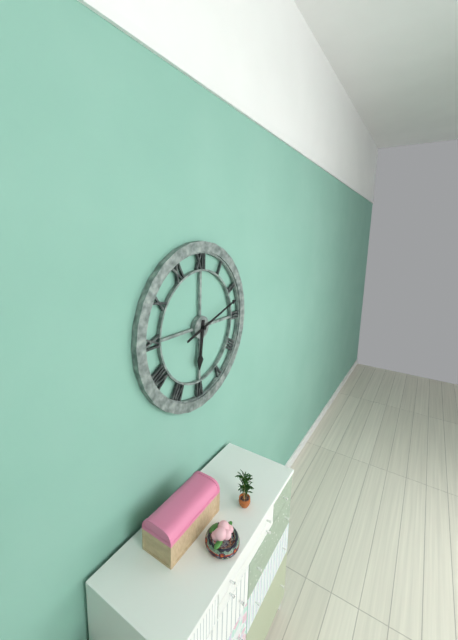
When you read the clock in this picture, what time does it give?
6:12
